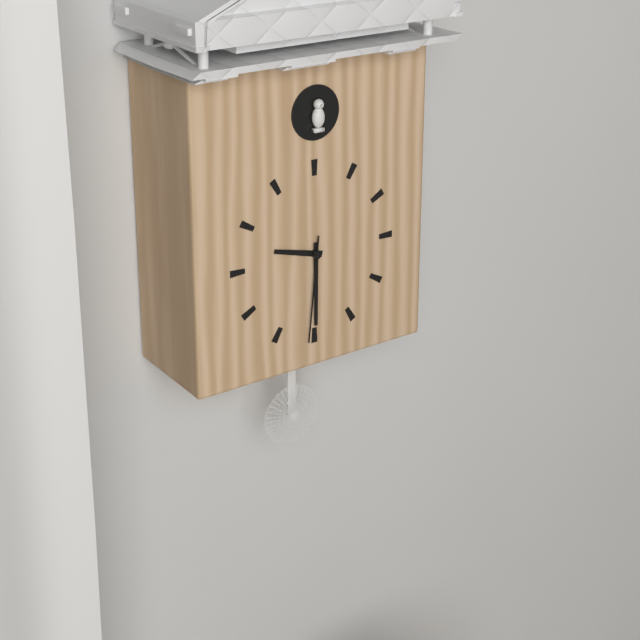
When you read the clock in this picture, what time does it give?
9:30:31
